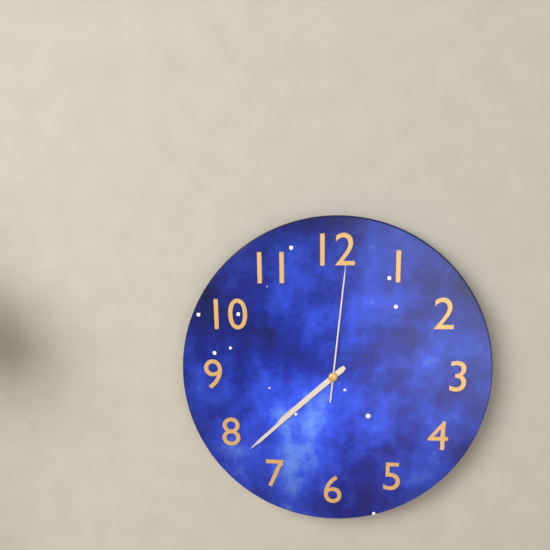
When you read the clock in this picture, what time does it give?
7:38:01
